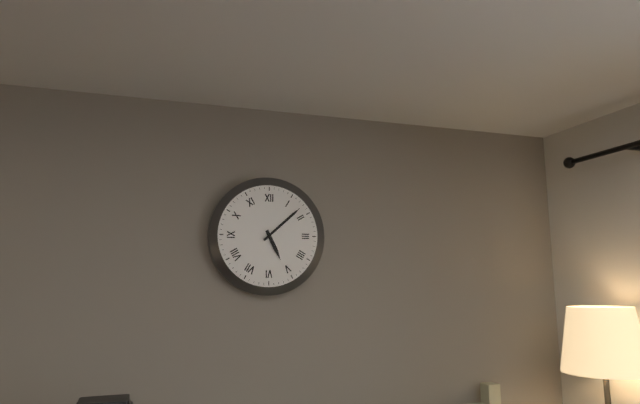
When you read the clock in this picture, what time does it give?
5:08
